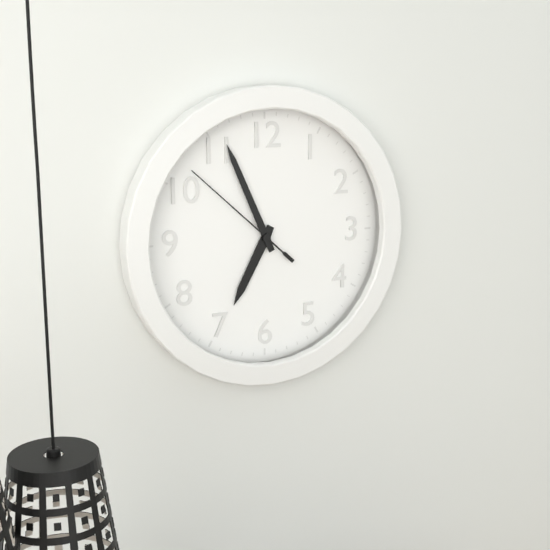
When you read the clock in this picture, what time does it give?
6:56:52
